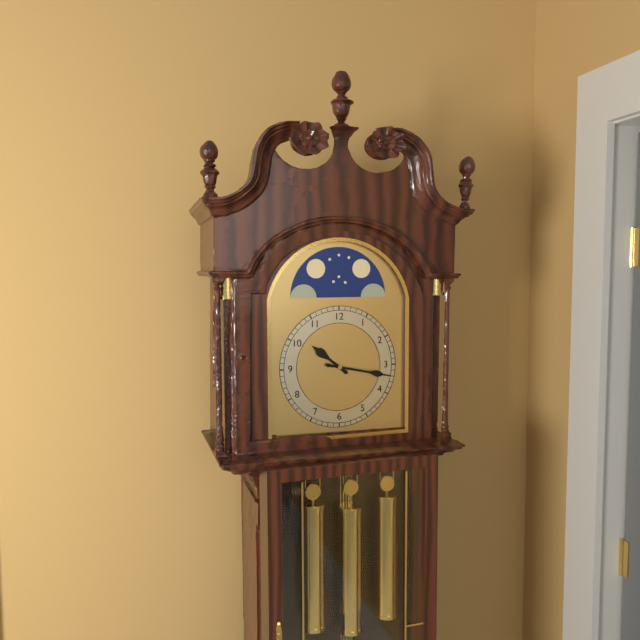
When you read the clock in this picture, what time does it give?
10:17
